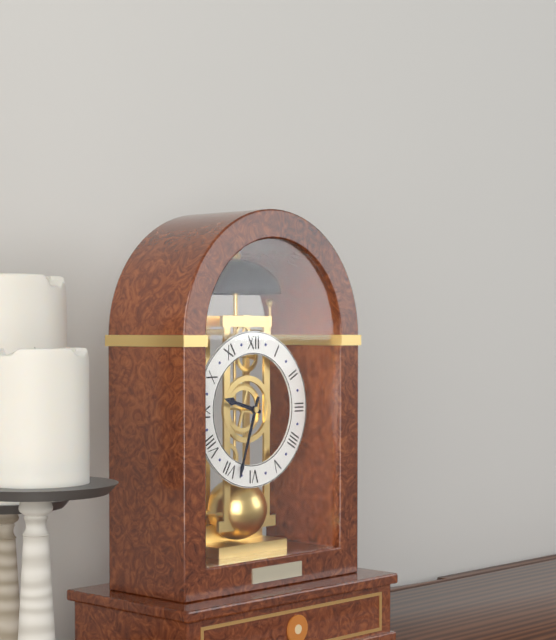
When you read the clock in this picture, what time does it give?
9:33
